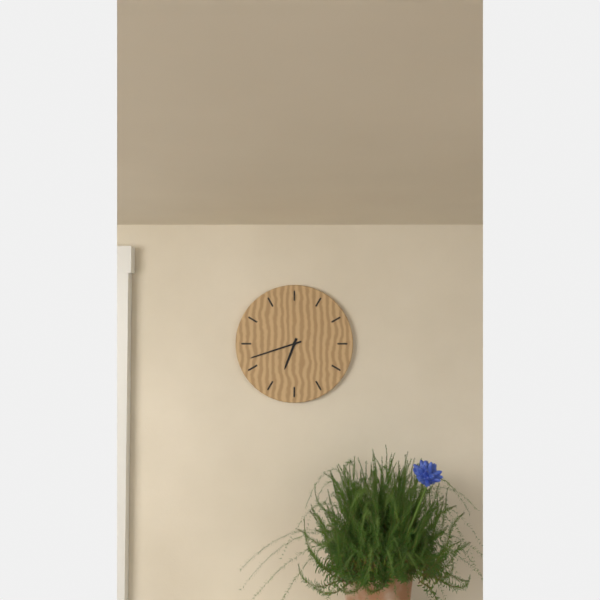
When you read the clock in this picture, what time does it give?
6:42
